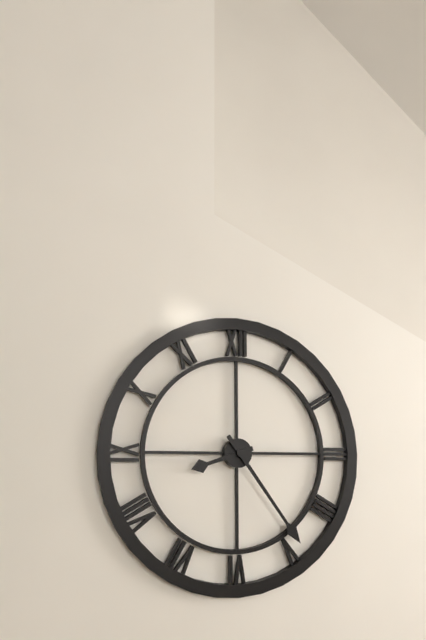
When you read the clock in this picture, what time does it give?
8:24
